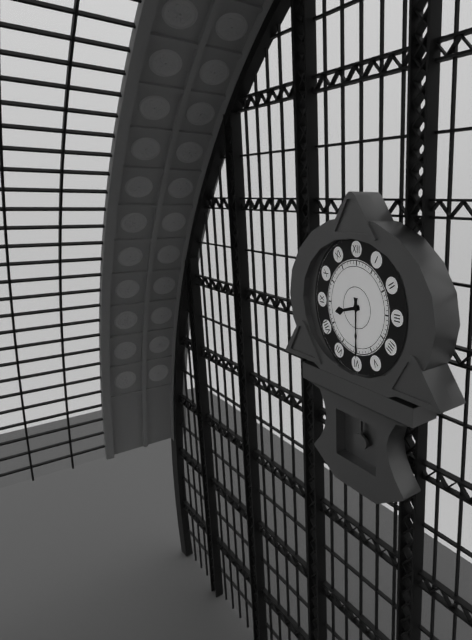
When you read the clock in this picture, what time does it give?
8:30
